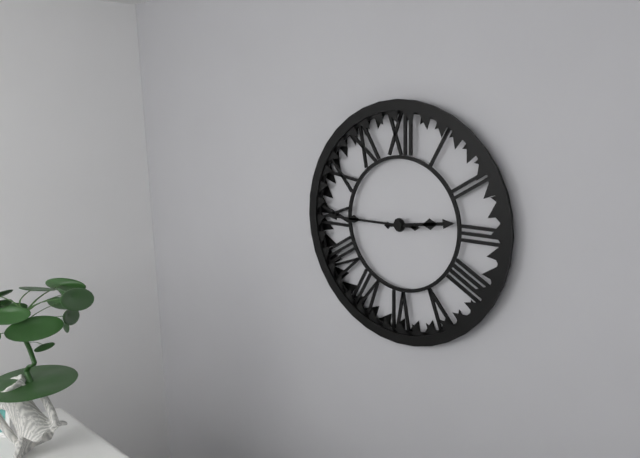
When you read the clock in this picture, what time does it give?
2:45
